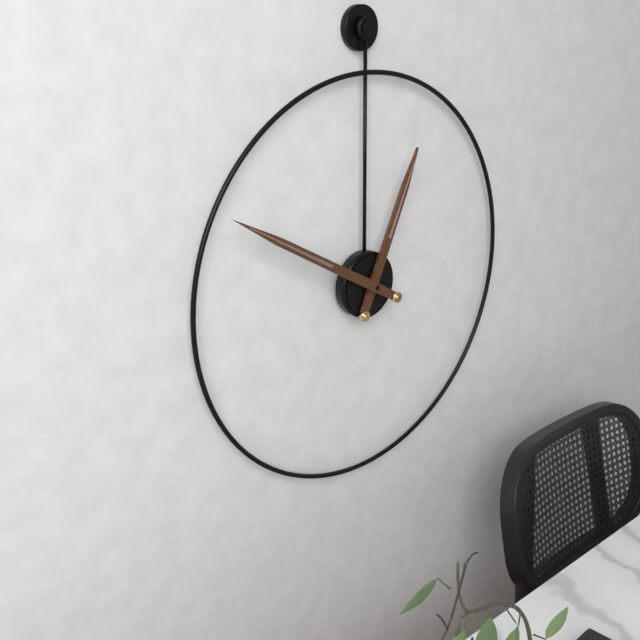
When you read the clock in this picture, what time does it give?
12:50
